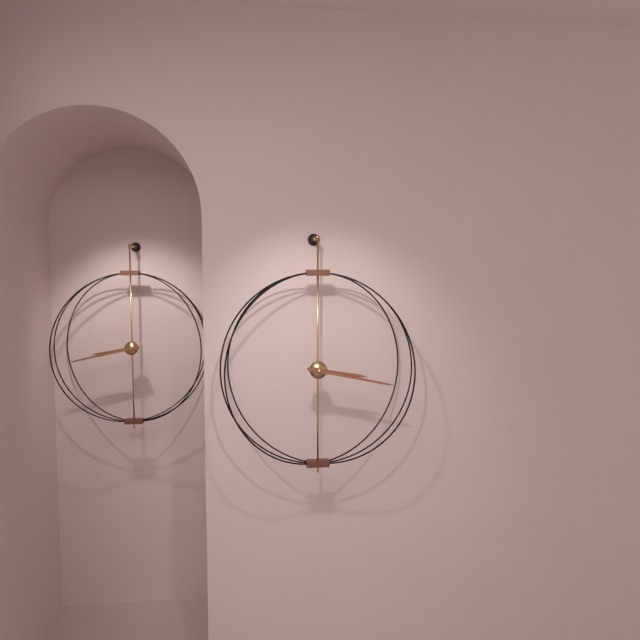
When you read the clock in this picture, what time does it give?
3:17
